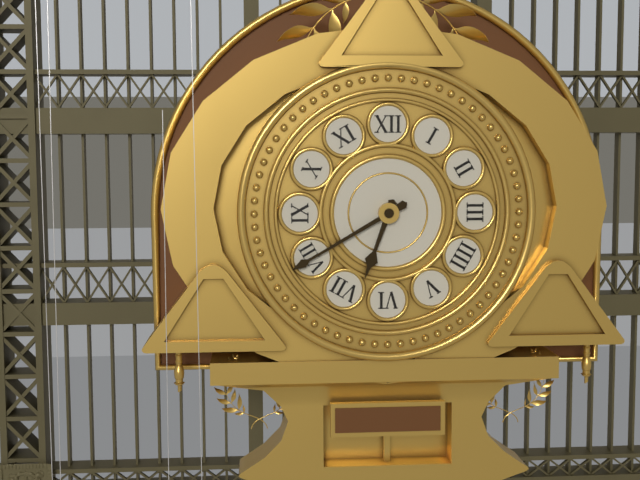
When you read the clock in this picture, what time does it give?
6:40
